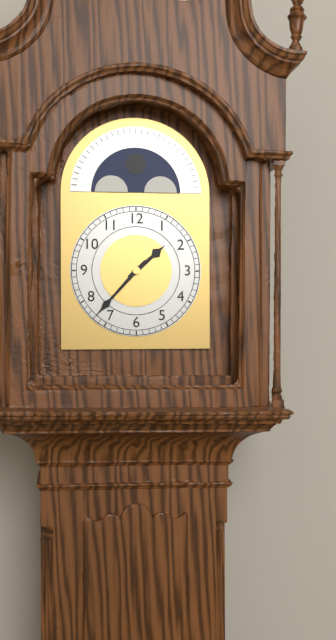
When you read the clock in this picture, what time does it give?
1:37
